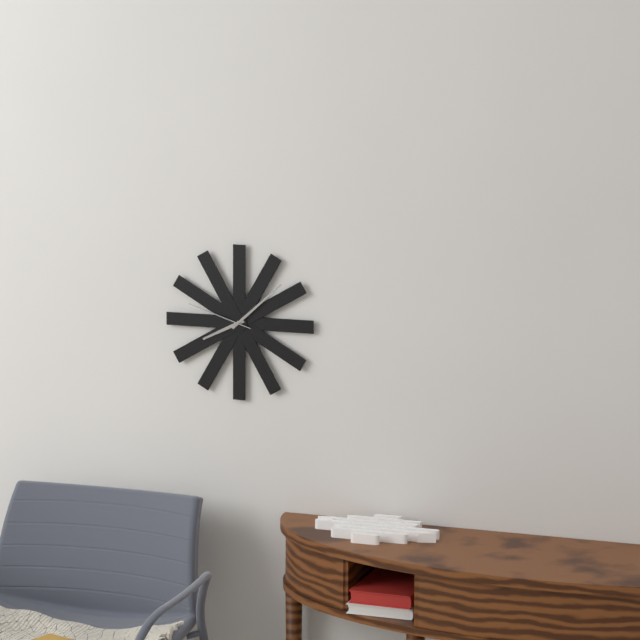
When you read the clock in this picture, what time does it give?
8:08:48
